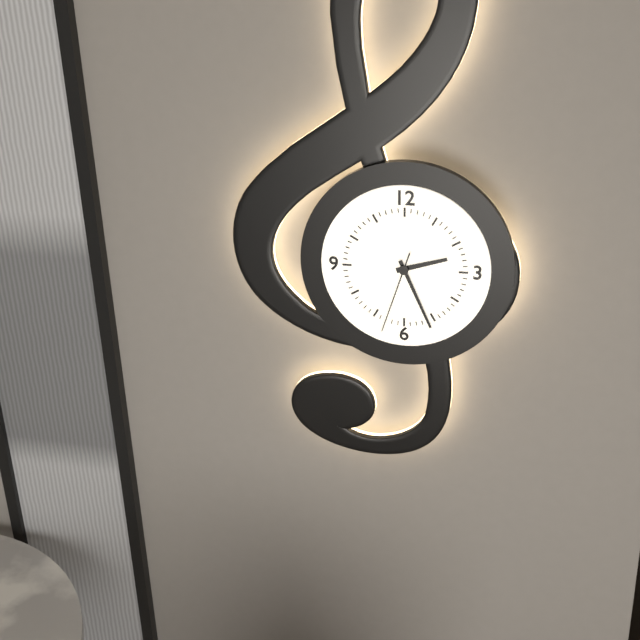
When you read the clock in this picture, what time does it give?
2:26:33
